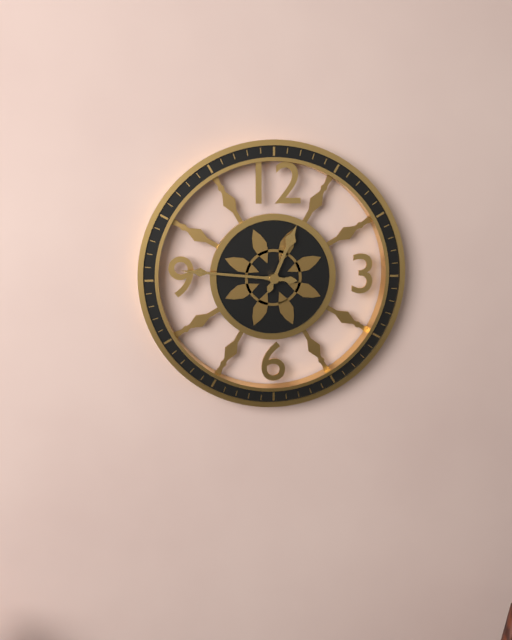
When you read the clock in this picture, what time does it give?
12:46
